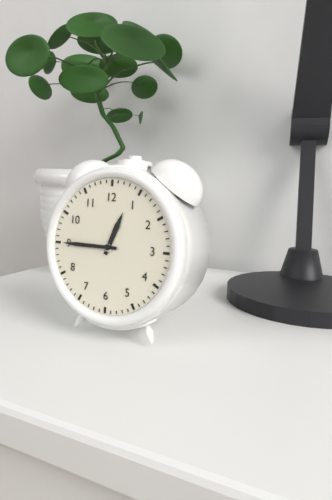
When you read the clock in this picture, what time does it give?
12:45
